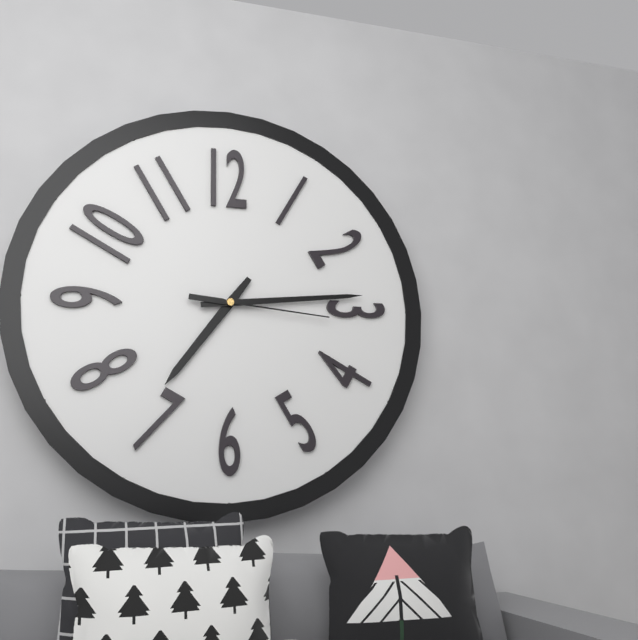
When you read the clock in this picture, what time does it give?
7:14:16
